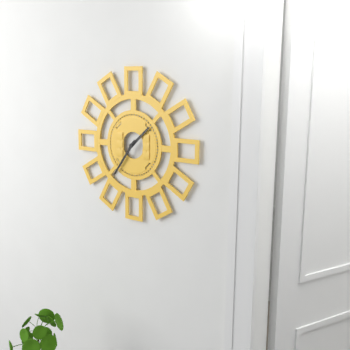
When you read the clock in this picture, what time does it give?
1:36
